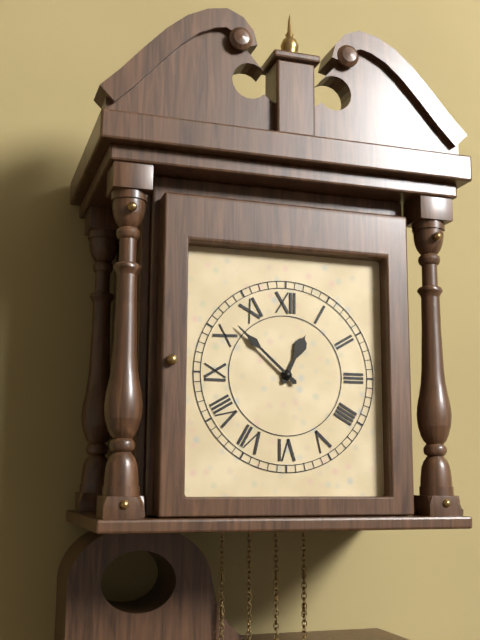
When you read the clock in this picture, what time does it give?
12:52
